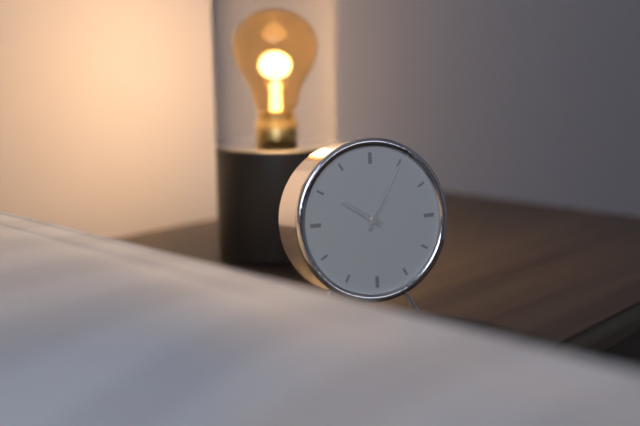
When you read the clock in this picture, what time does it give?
10:05
